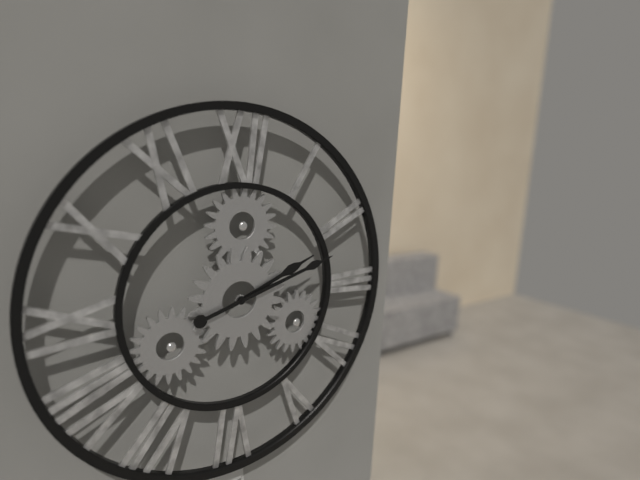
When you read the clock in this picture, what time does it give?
2:12
